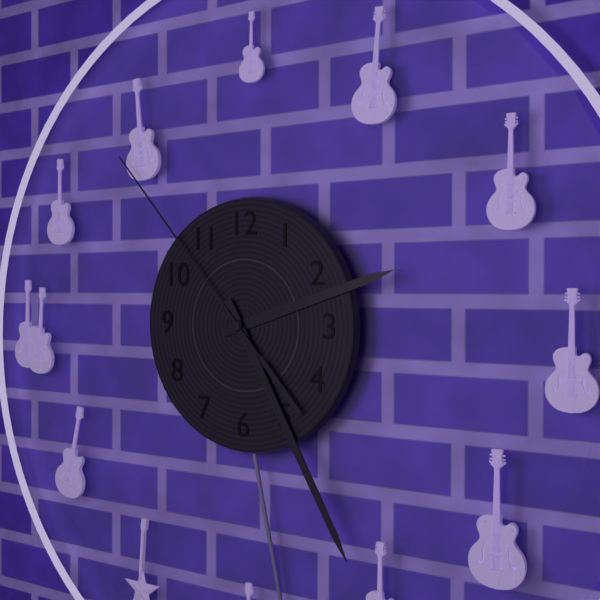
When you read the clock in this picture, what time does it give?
2:25:53
